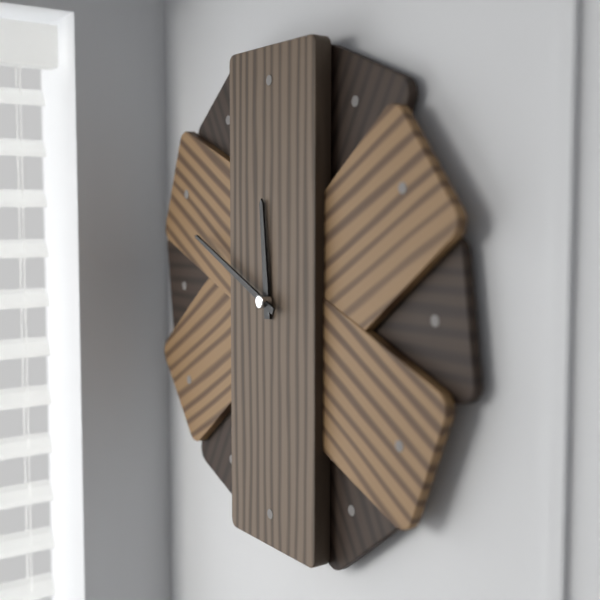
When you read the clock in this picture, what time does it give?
11:49
